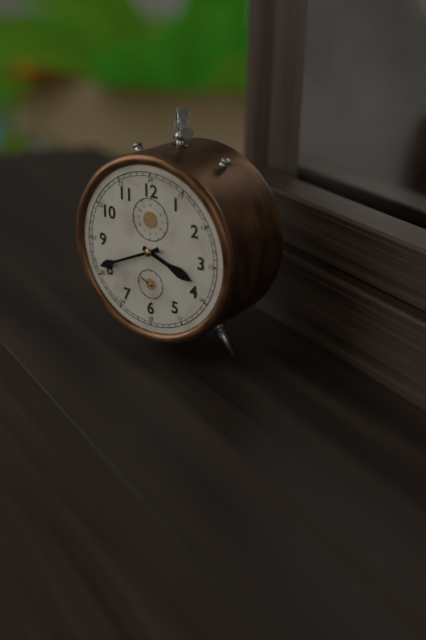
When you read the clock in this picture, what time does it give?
3:41
